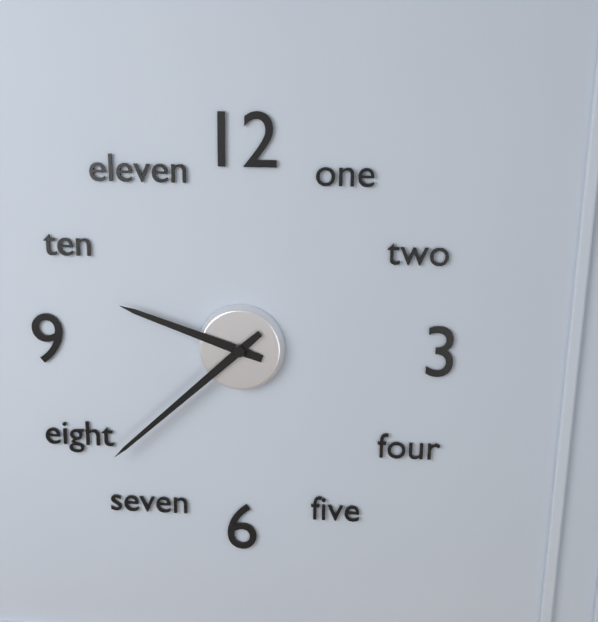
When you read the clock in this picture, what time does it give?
9:38
